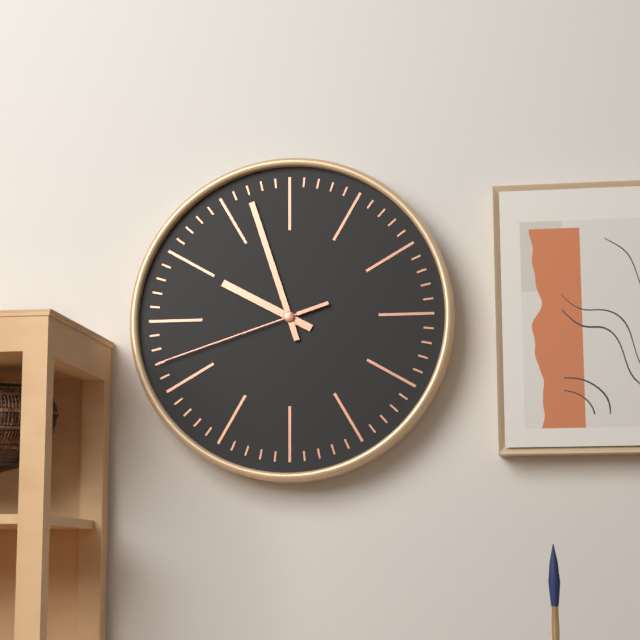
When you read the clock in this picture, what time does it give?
9:57:42
